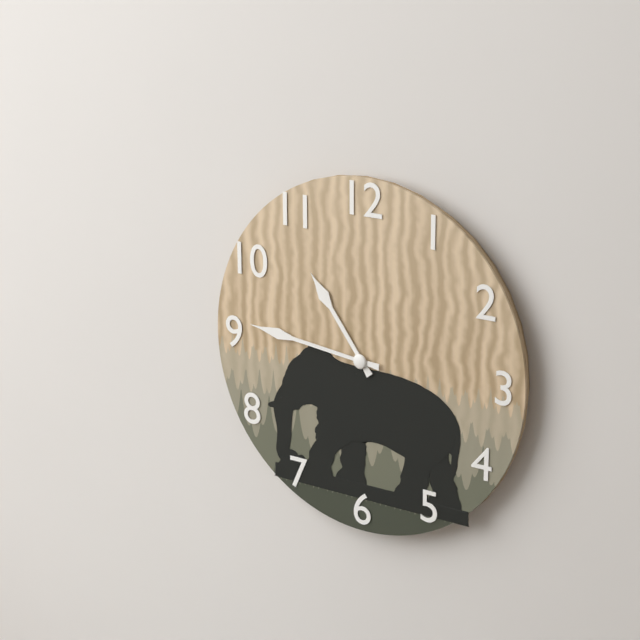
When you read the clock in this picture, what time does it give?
10:46
